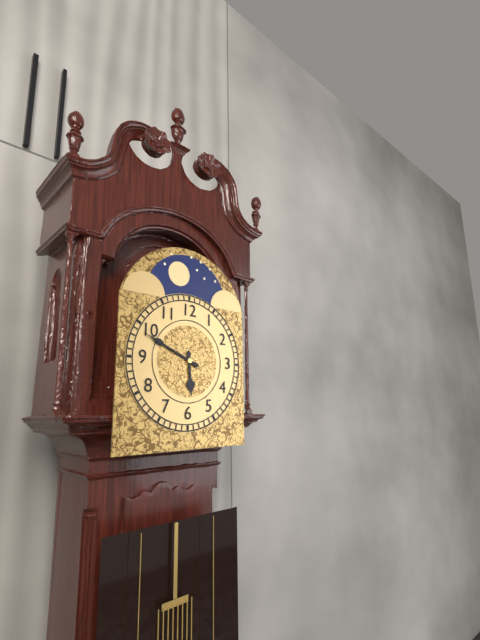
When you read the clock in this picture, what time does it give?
5:49
